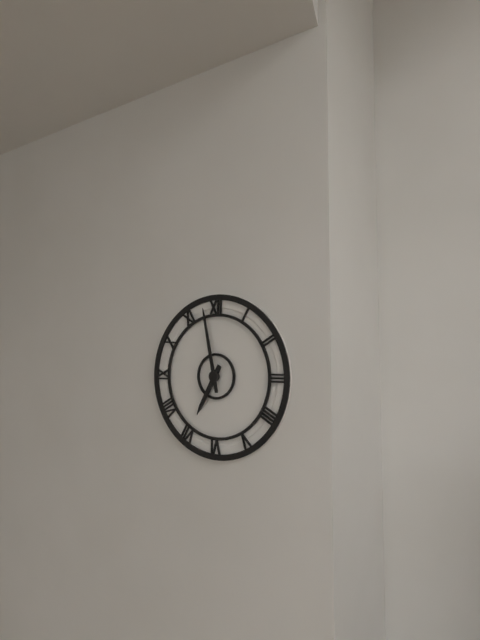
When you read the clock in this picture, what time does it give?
6:58
